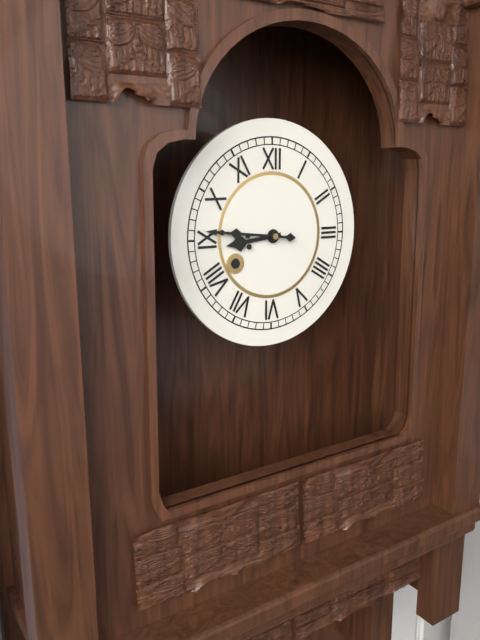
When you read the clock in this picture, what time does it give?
8:46
